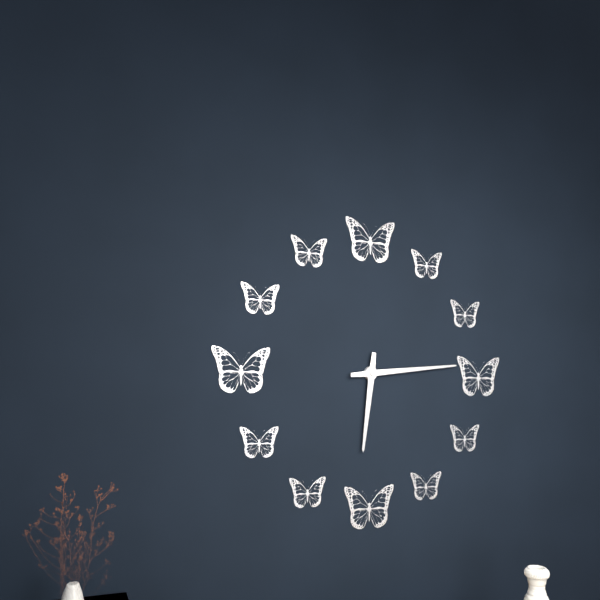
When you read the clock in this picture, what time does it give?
6:14
